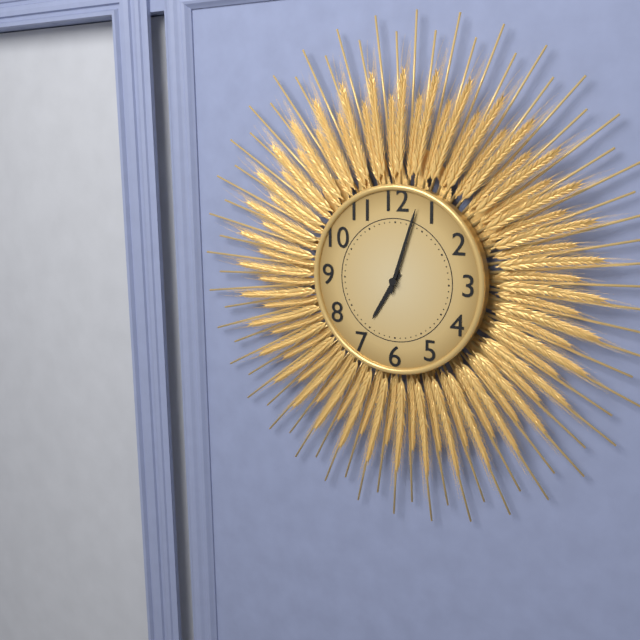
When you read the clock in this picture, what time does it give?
7:03
